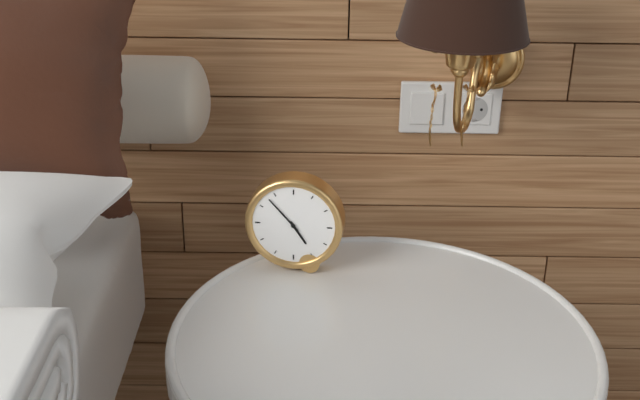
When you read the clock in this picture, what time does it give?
4:53
